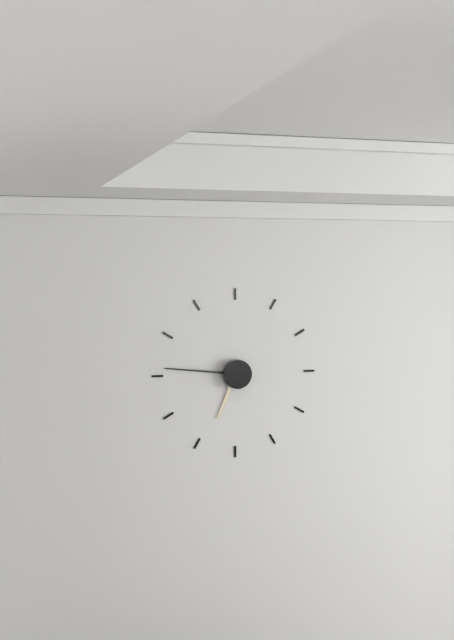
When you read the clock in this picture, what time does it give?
6:46
